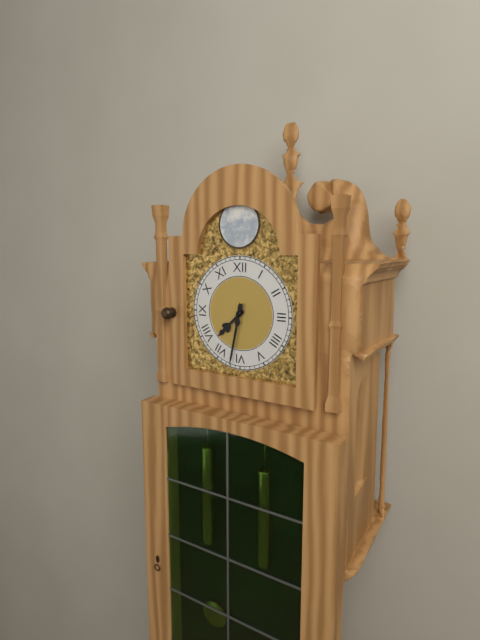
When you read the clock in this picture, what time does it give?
7:32
